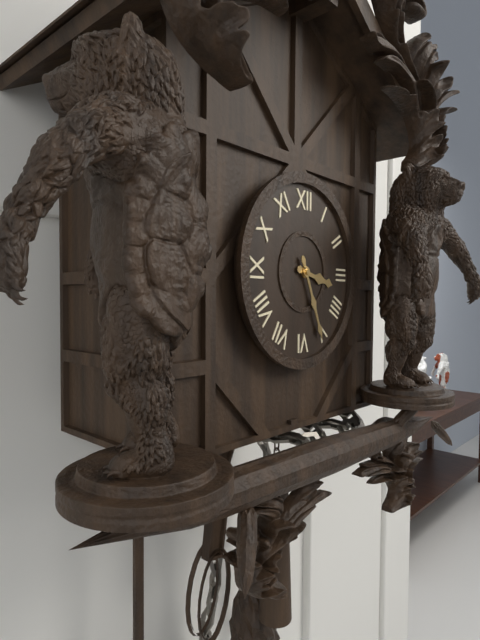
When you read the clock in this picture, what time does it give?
3:26
